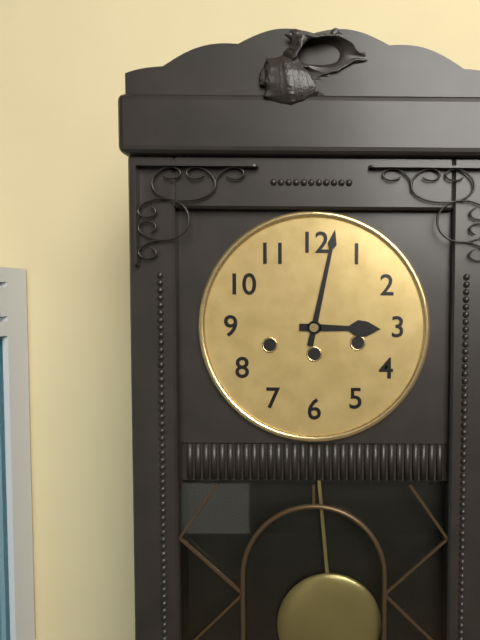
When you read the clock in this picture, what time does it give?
3:02
